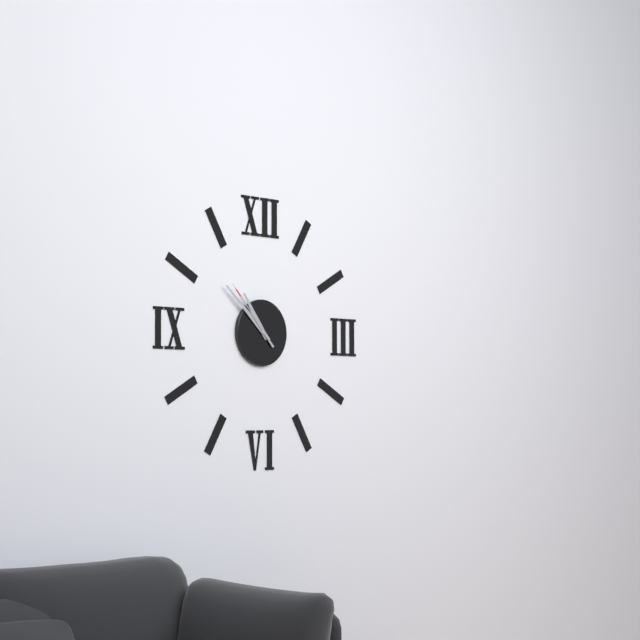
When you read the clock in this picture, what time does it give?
10:52:53
